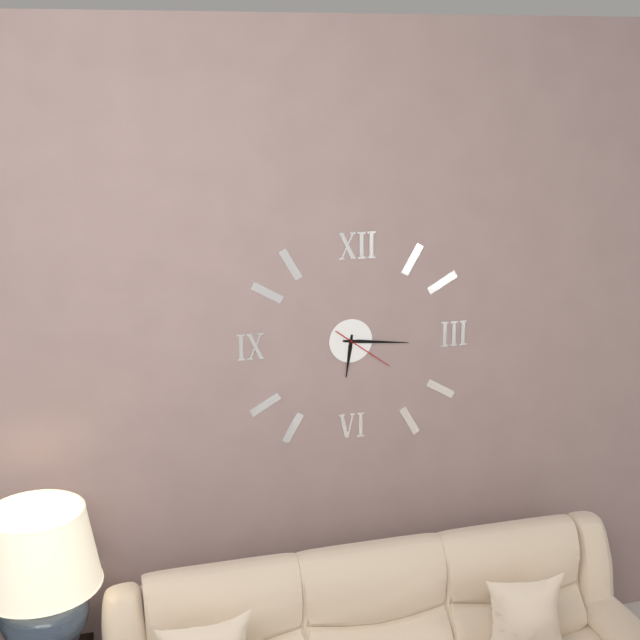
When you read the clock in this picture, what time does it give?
6:16:21
